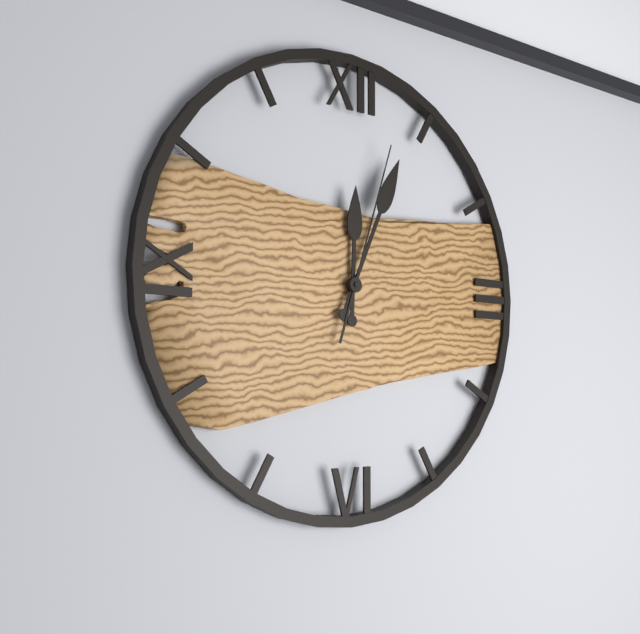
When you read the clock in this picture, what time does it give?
12:04:03
